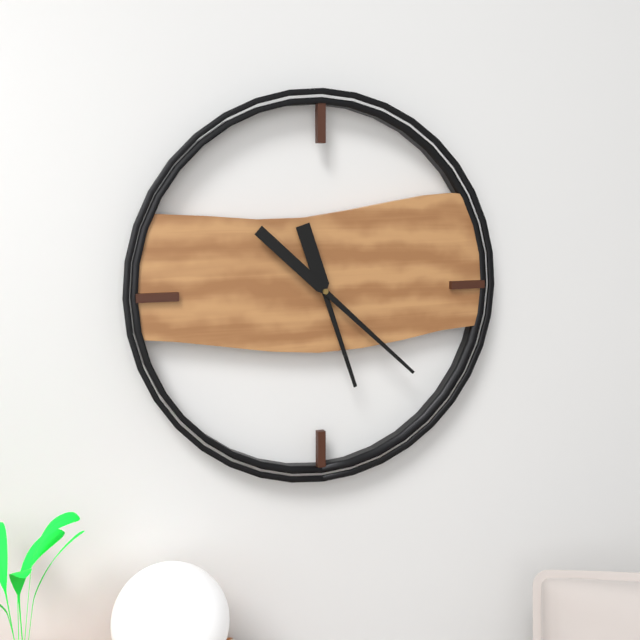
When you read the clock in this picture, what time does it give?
5:22
